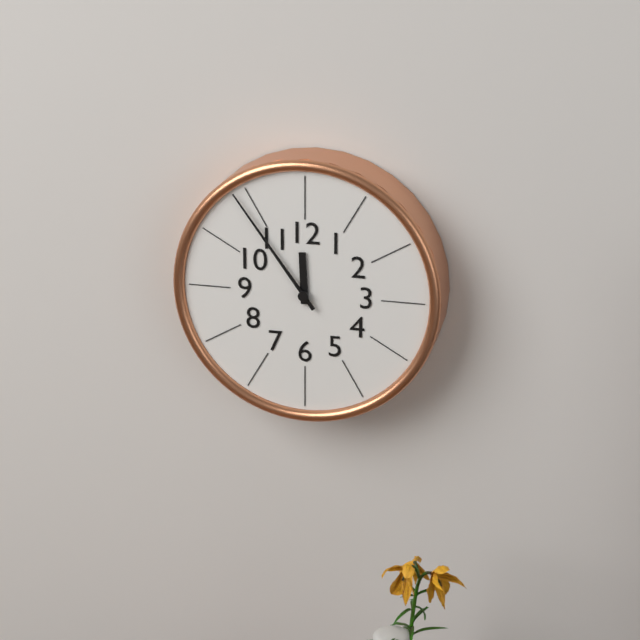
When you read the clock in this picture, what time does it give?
11:54
